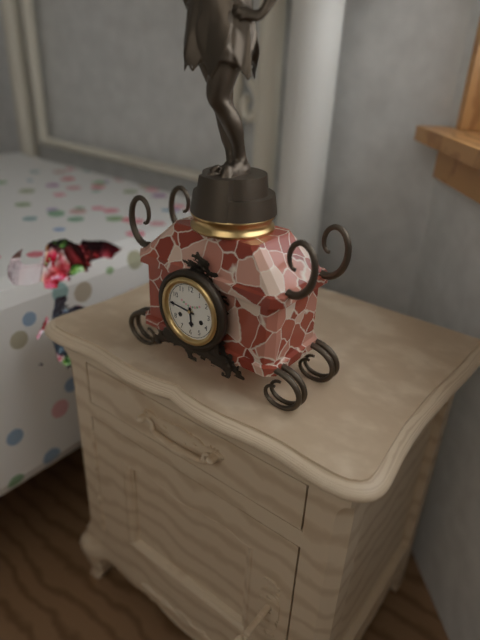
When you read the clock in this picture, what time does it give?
5:46
